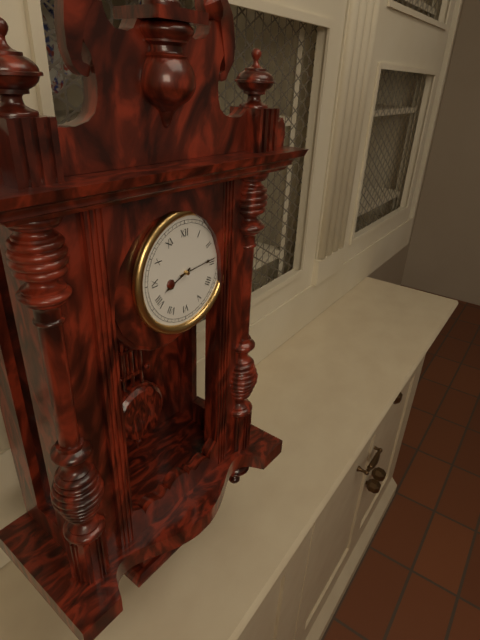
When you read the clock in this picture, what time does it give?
8:14
